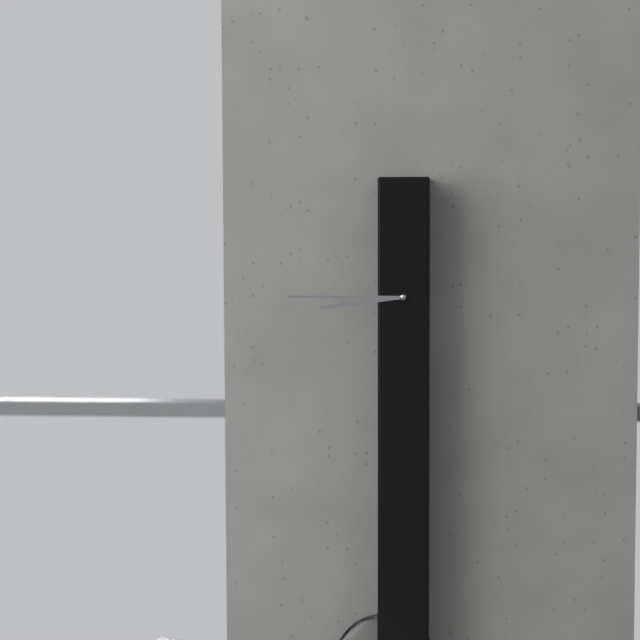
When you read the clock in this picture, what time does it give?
8:45
